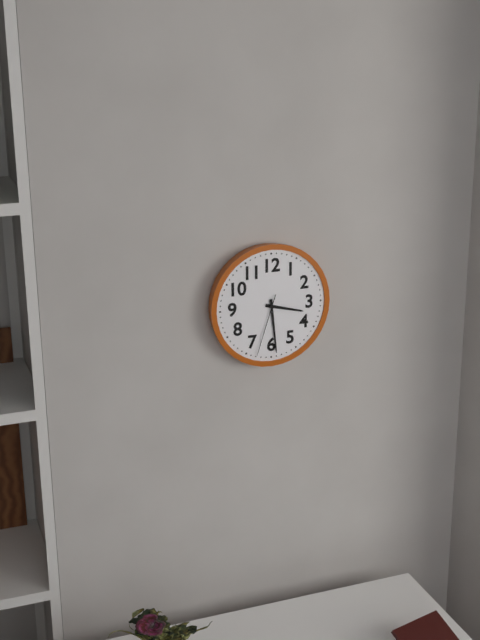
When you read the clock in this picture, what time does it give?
3:29:33
